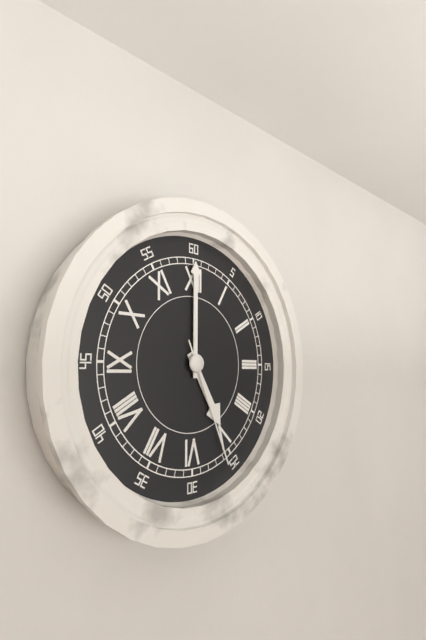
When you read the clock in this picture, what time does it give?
5:00:26
